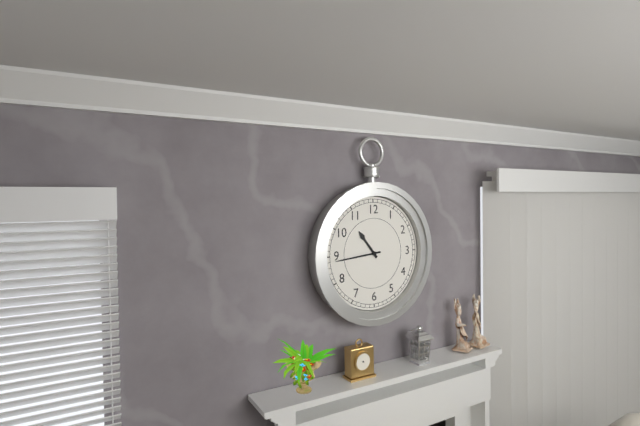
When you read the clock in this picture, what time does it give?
10:44
